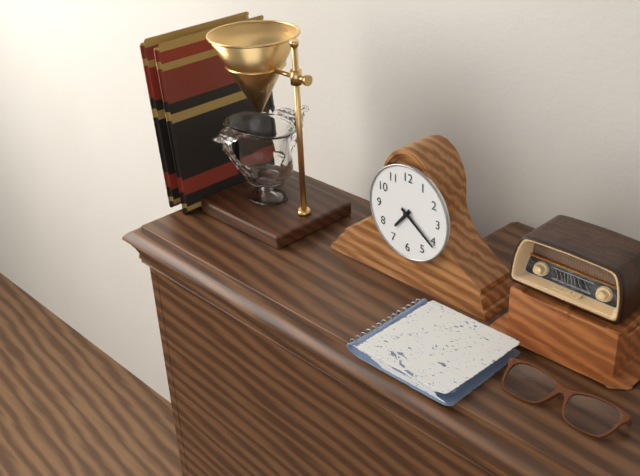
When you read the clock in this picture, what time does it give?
7:21
